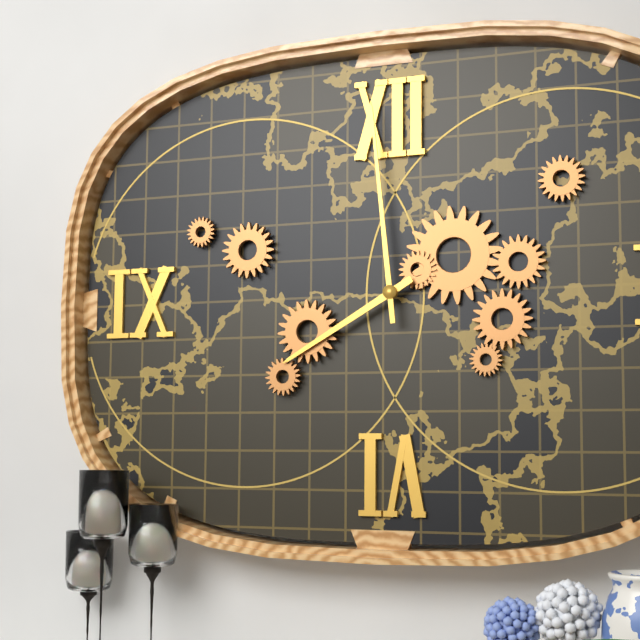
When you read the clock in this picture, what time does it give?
7:59
